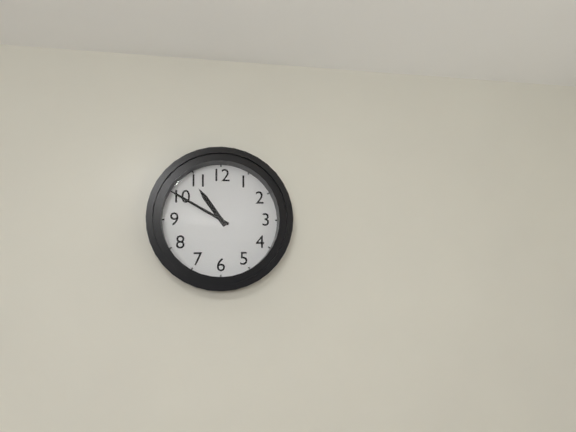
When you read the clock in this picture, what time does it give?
10:50
